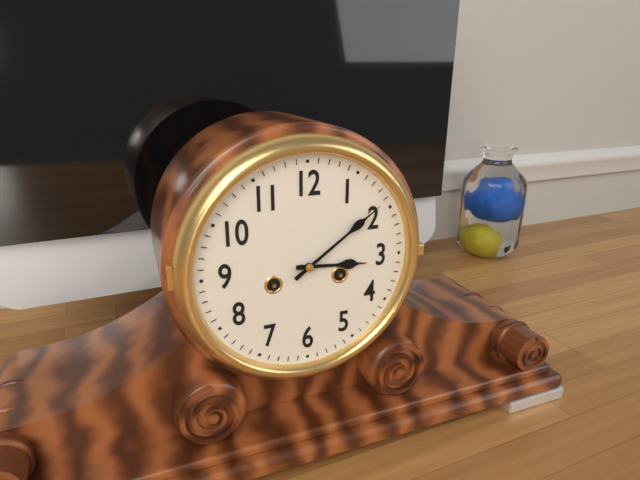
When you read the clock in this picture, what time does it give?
3:09
